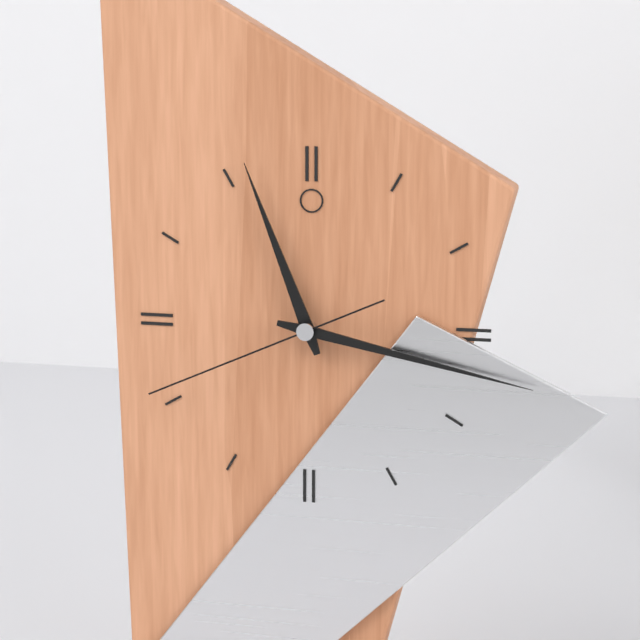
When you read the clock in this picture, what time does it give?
11:17:41
